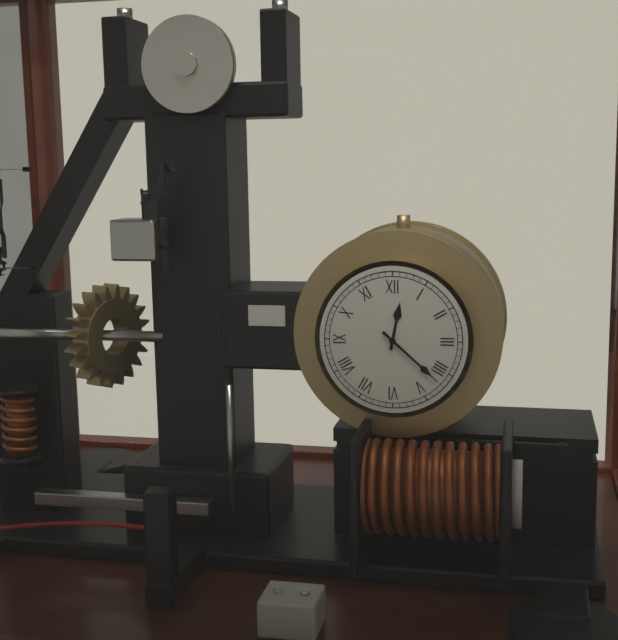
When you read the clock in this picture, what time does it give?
12:22
